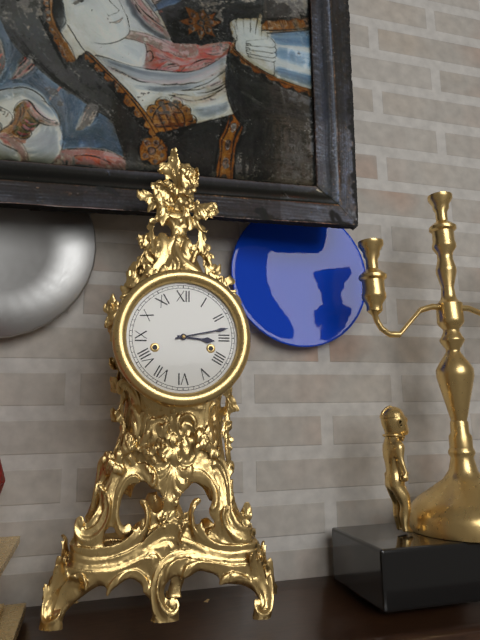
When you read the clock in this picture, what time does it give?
3:13
